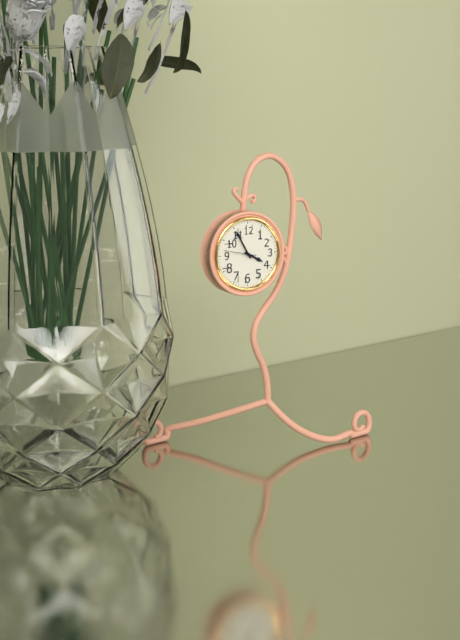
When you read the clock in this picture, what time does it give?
3:55
